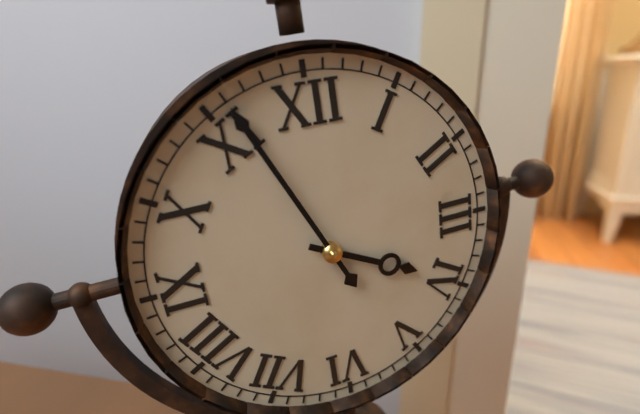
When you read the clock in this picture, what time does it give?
3:56
